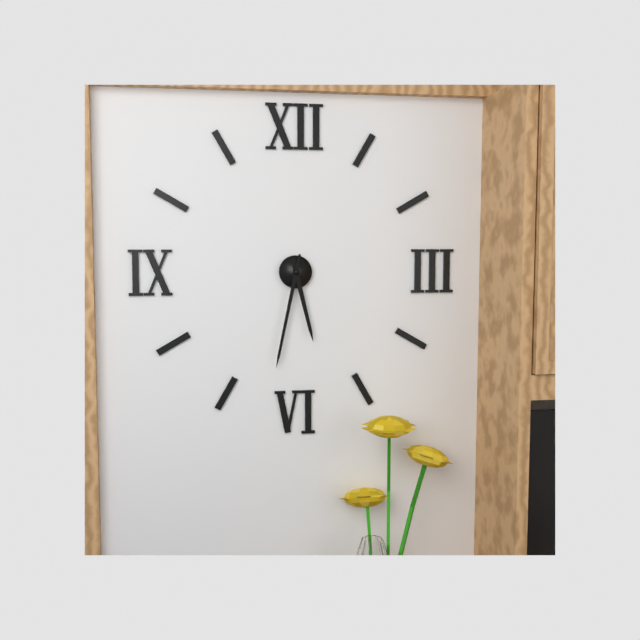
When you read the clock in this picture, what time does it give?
5:32
